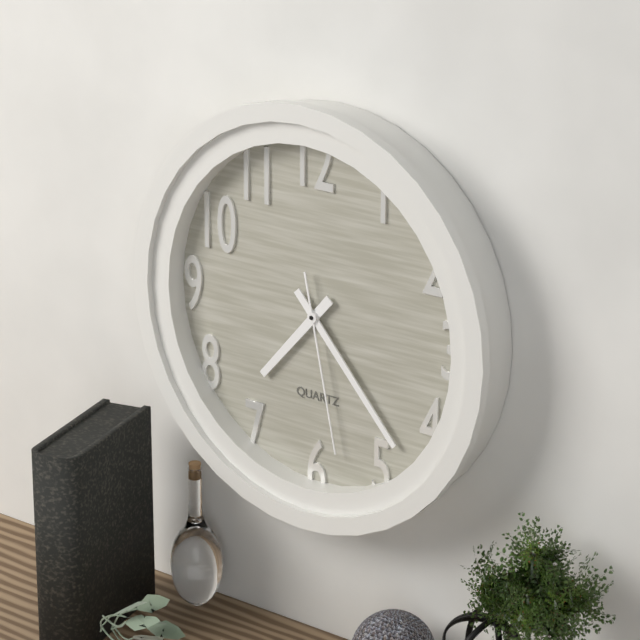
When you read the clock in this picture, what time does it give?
7:23:28
